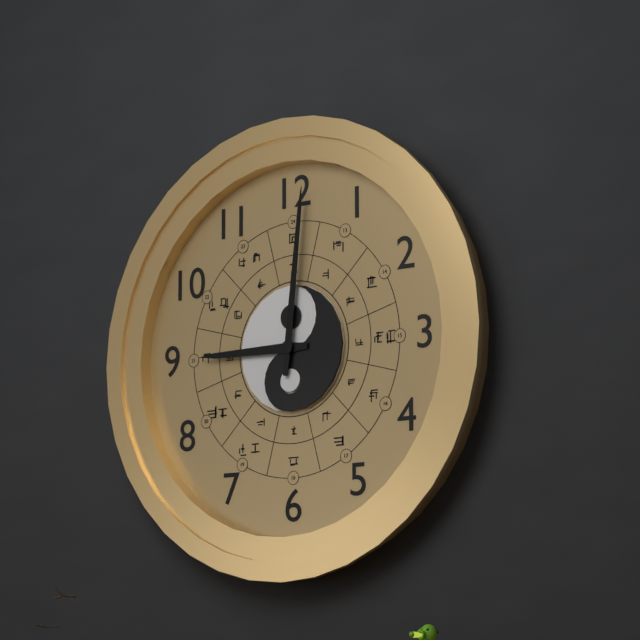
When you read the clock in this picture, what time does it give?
9:01
